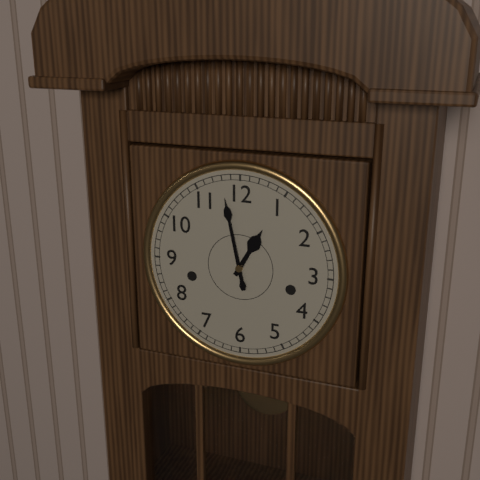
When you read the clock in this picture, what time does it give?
12:58
